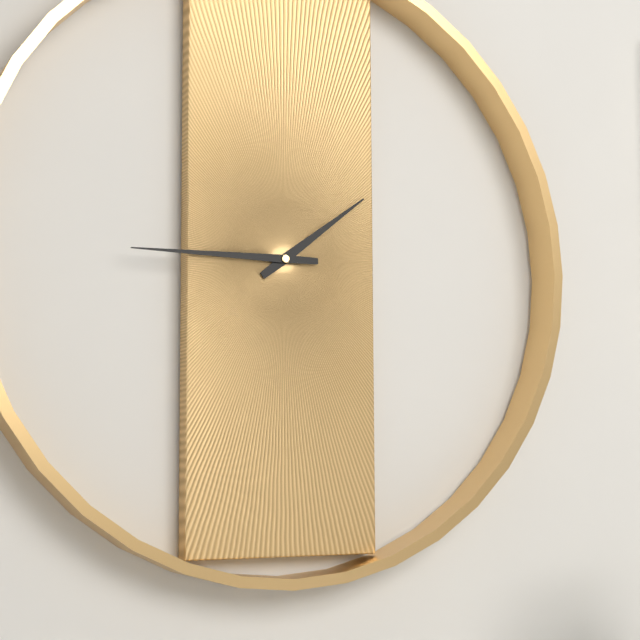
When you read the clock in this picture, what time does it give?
1:45
